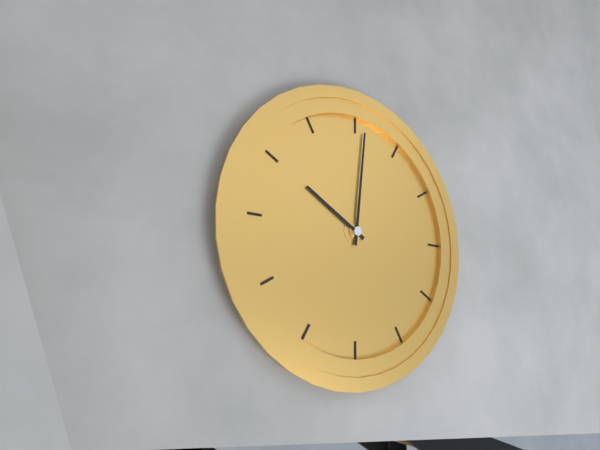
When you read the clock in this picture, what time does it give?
10:01
